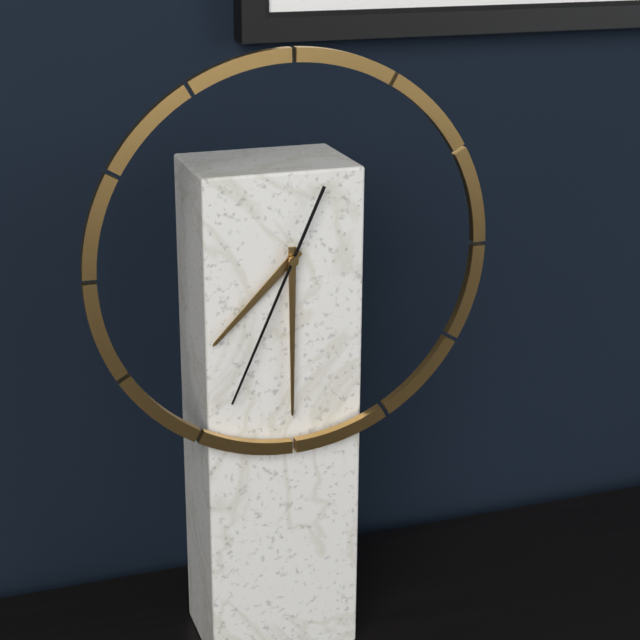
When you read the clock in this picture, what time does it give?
7:30:34
